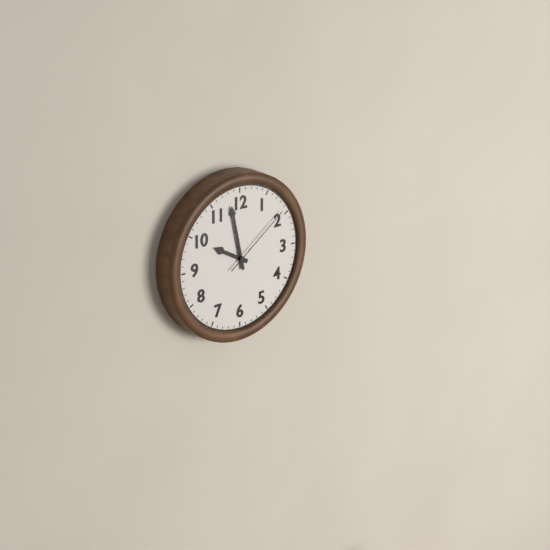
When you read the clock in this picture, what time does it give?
9:58:09
